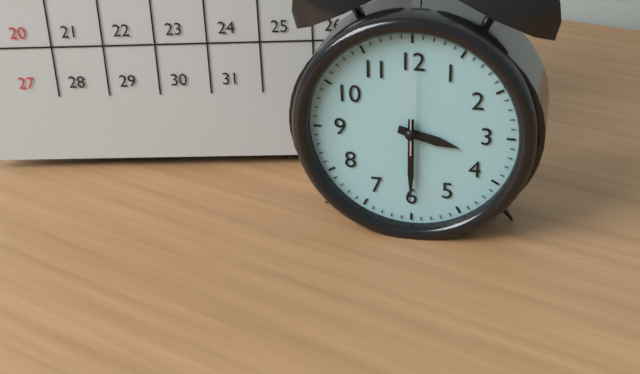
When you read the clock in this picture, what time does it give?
3:30:00
